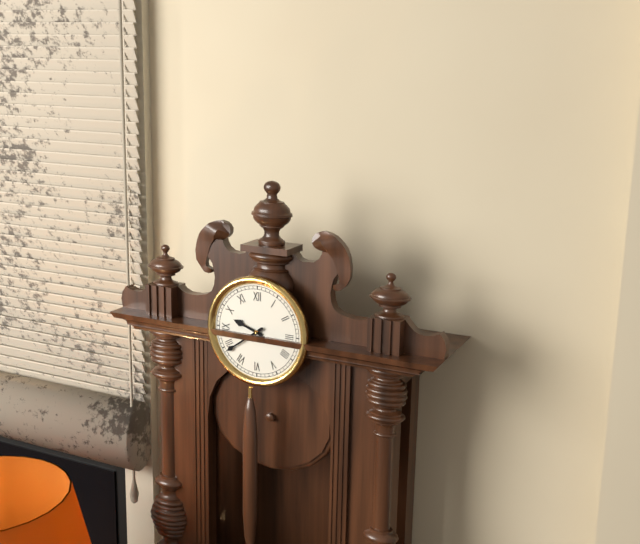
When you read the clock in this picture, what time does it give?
9:39
